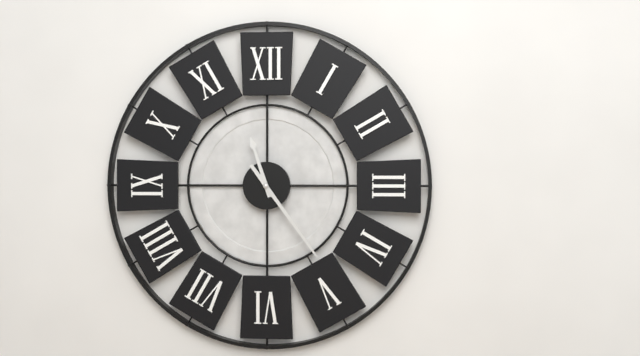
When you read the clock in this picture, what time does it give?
11:24
